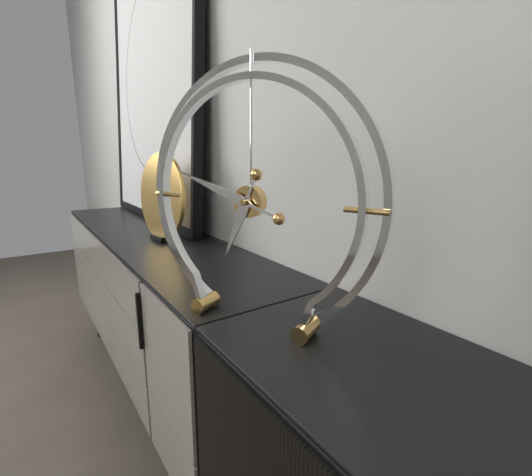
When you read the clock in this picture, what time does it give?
6:48
